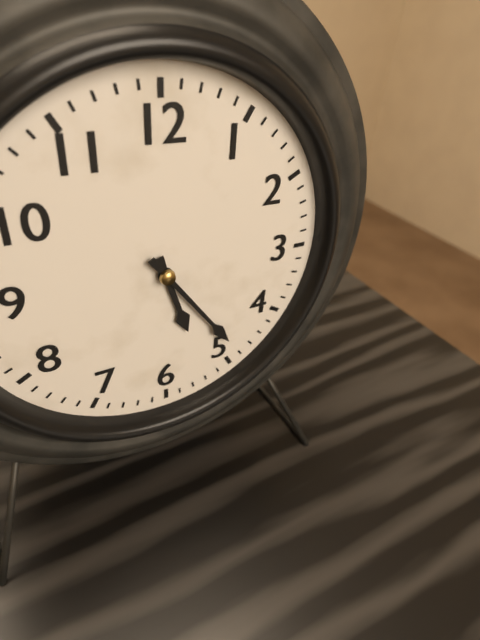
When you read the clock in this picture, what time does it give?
5:24
